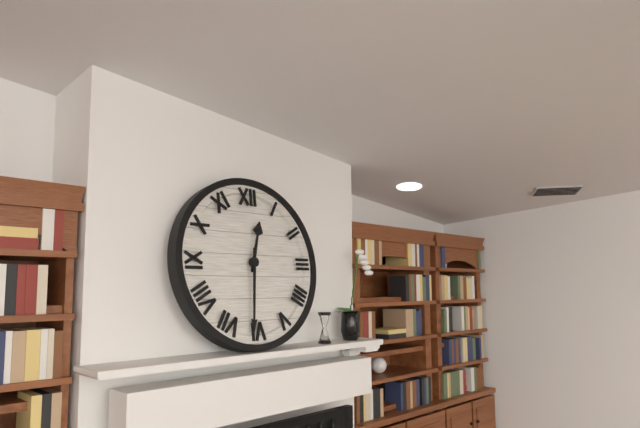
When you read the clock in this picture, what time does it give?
12:31
